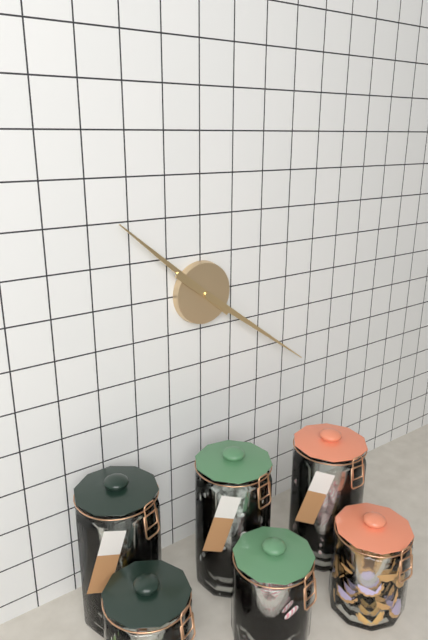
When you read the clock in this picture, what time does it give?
10:21
